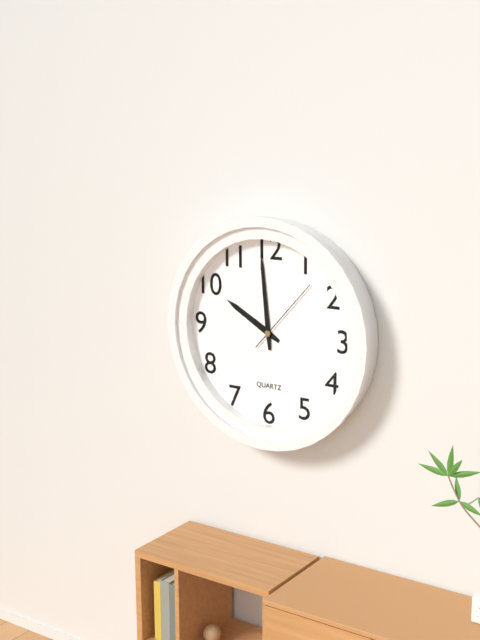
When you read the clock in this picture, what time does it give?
9:59:07
